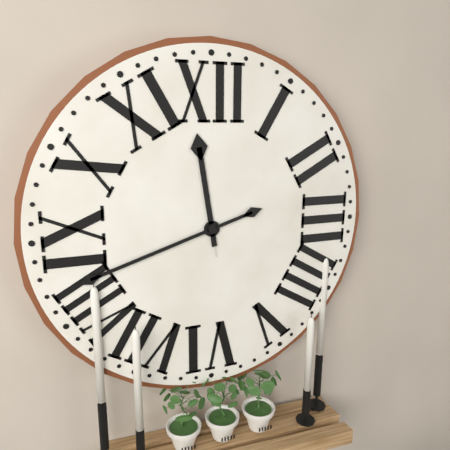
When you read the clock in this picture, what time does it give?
11:42
